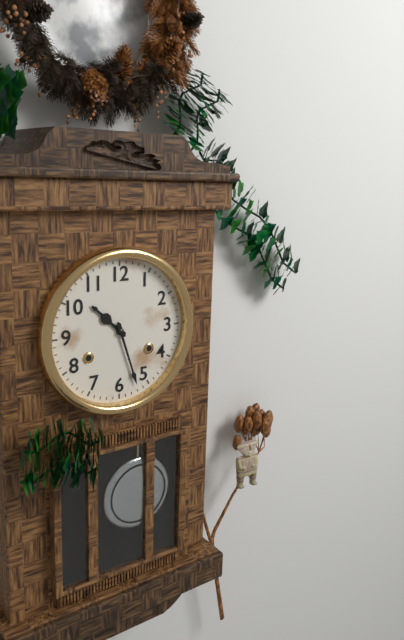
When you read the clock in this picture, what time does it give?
10:27
